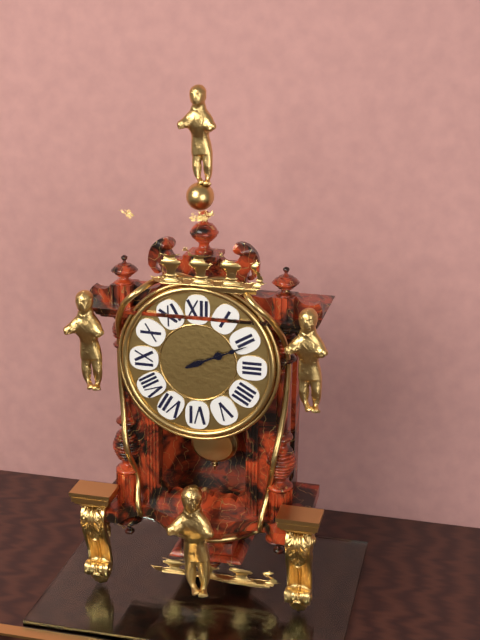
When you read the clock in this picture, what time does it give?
2:11
